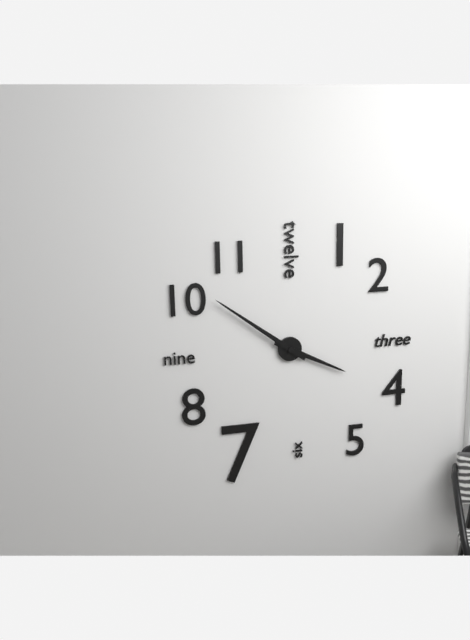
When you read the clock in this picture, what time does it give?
3:51
